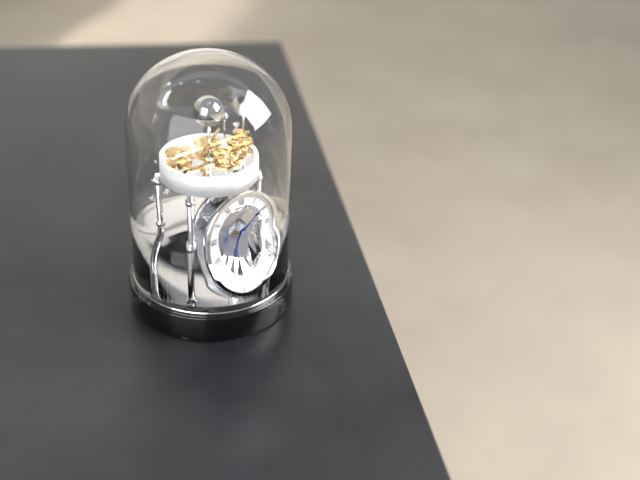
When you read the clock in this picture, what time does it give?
7:09
